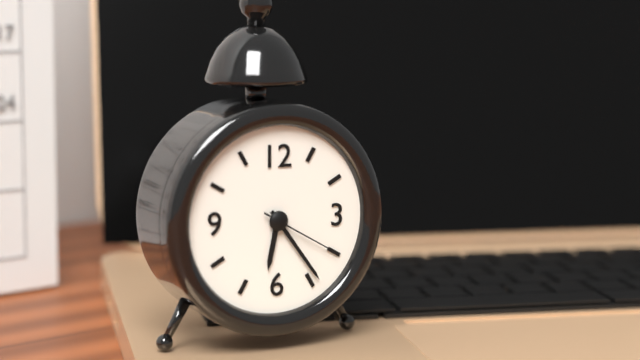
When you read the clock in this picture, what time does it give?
6:24:20
